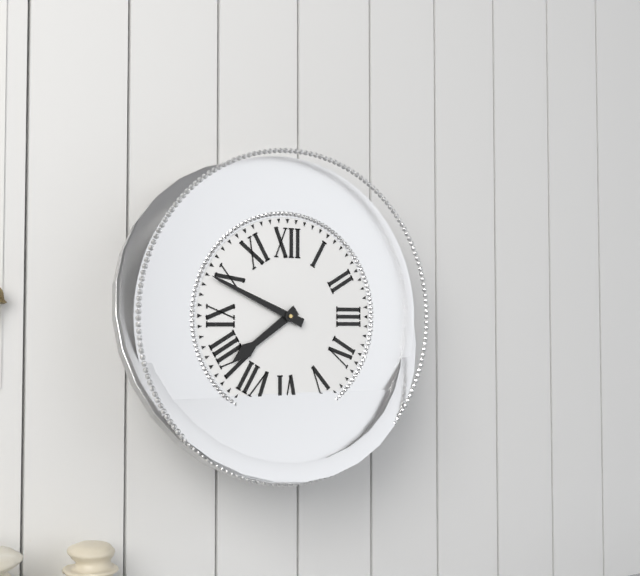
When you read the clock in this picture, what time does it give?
7:49
